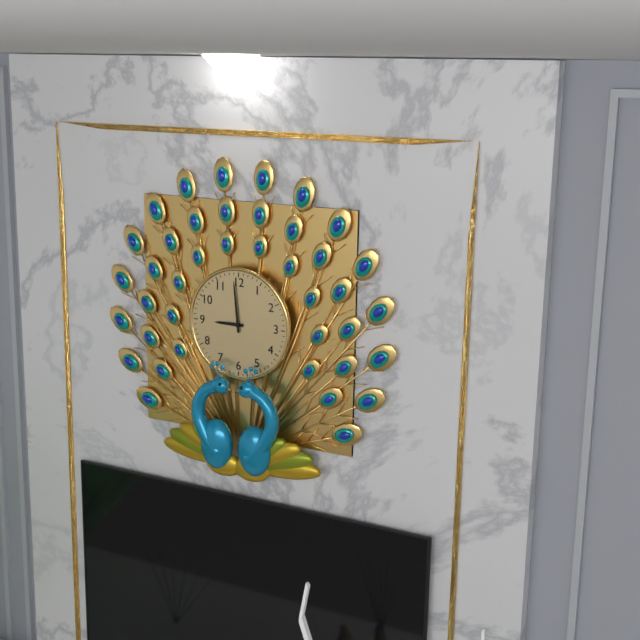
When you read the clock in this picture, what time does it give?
8:59
